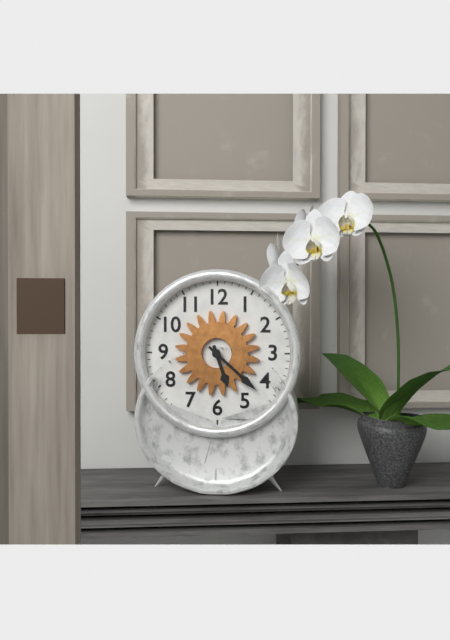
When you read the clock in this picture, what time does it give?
5:22
